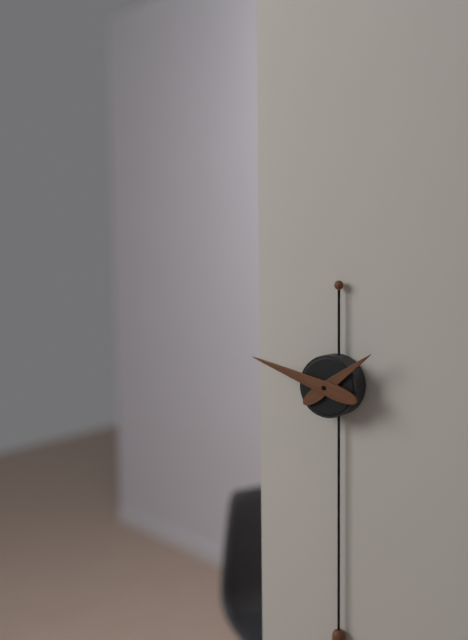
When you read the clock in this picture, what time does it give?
1:48
